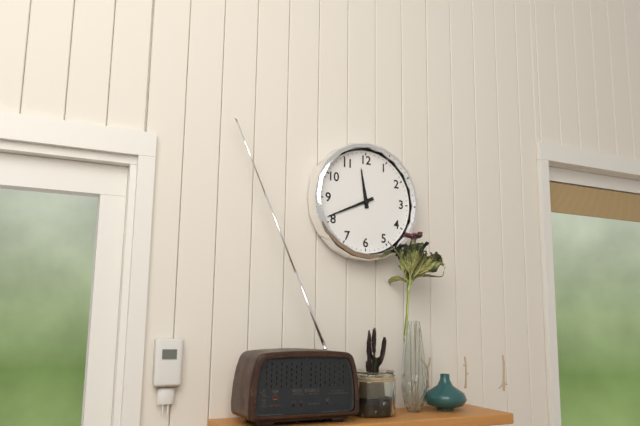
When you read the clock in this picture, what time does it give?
11:41
